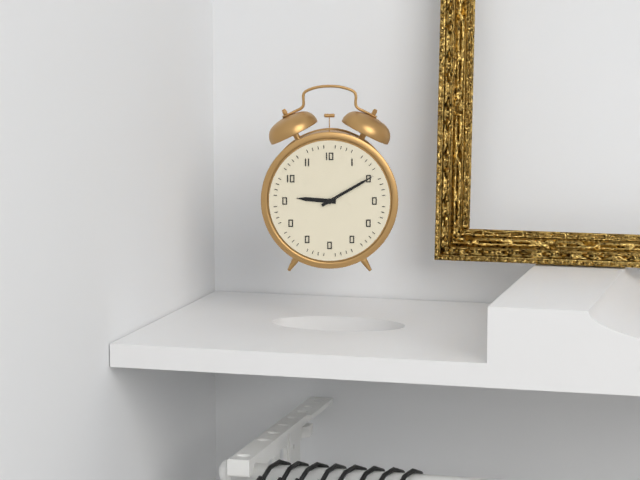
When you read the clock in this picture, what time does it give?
9:10
